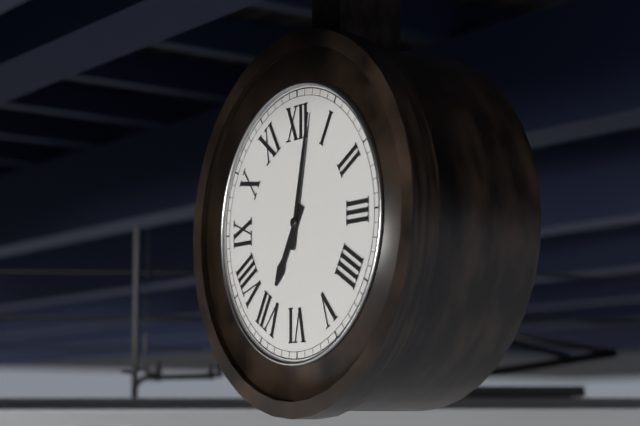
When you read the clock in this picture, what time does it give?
7:02
